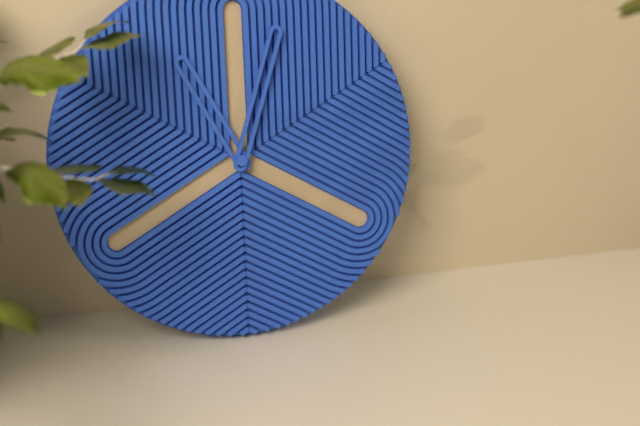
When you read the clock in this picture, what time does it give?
11:03
